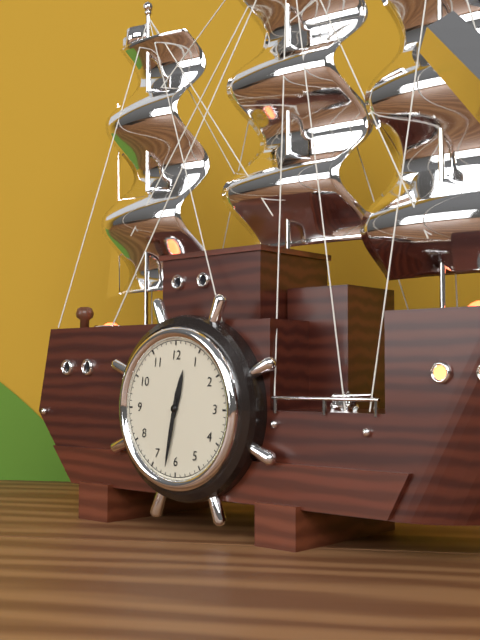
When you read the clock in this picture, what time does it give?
12:32
